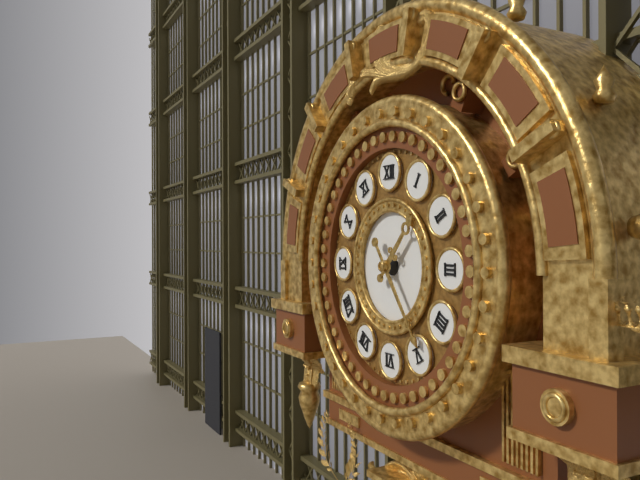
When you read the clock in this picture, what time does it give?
1:24
